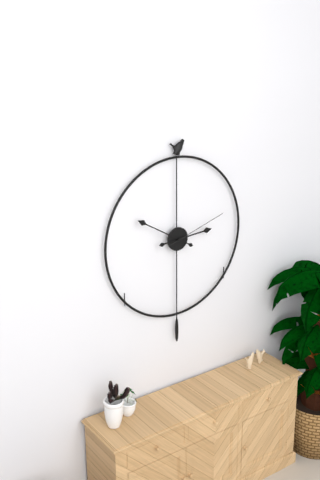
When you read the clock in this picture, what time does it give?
2:50:12
